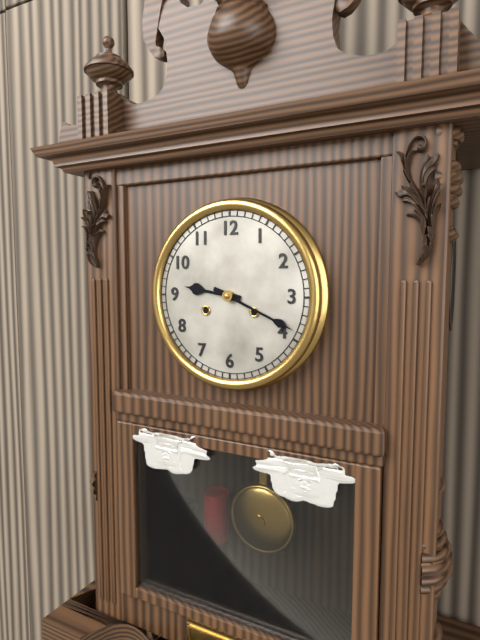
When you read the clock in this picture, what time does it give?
9:19
